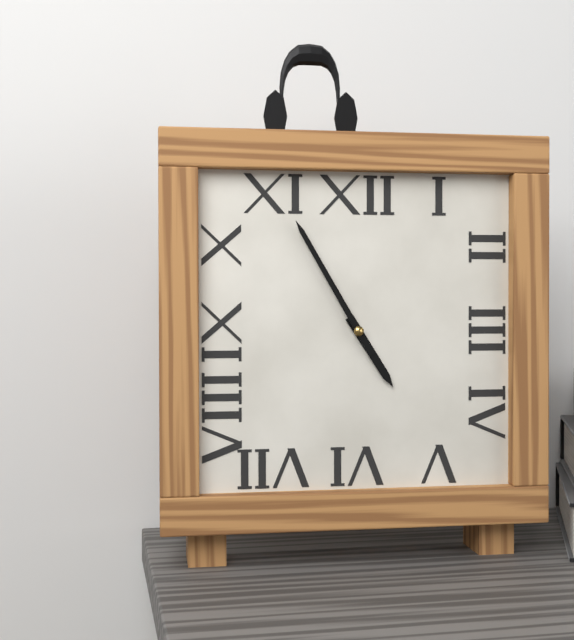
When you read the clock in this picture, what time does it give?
4:55
